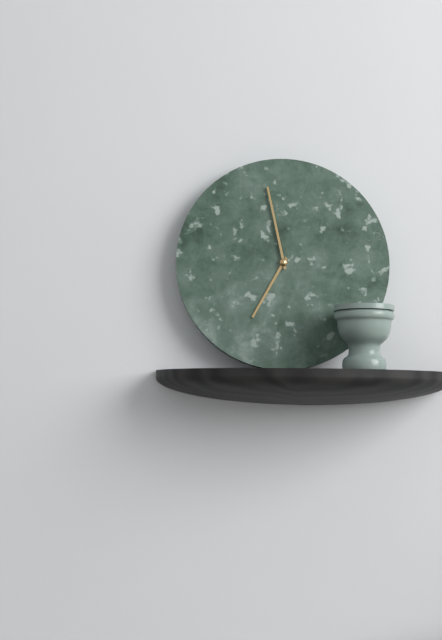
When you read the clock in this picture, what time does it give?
6:58
